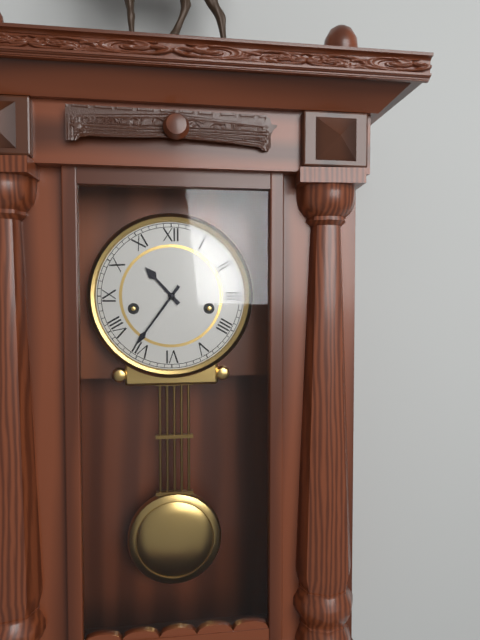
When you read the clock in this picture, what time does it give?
10:36
